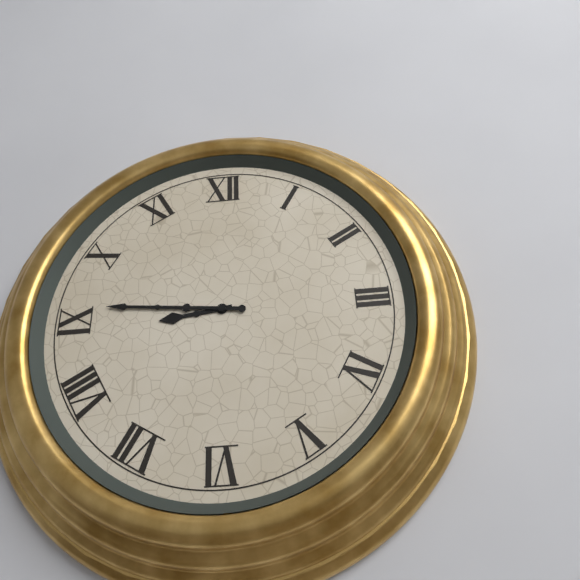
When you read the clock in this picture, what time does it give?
8:46
